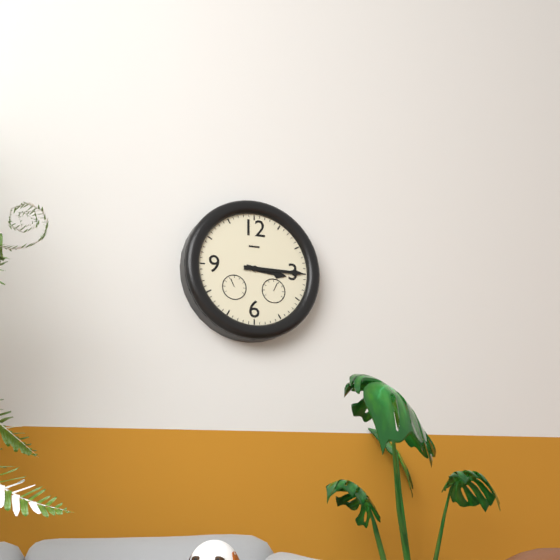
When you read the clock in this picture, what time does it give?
3:15
